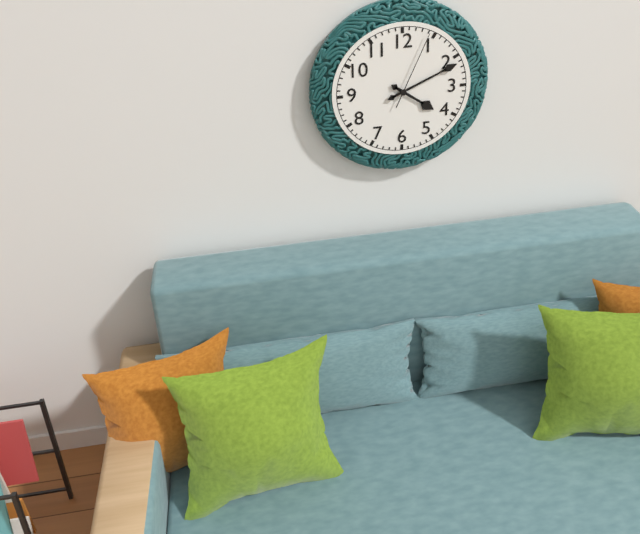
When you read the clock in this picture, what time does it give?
4:11:04
